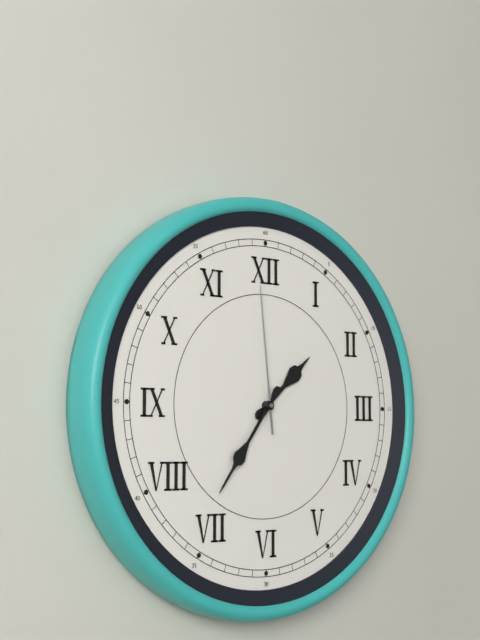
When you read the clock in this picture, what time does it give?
1:36:59
